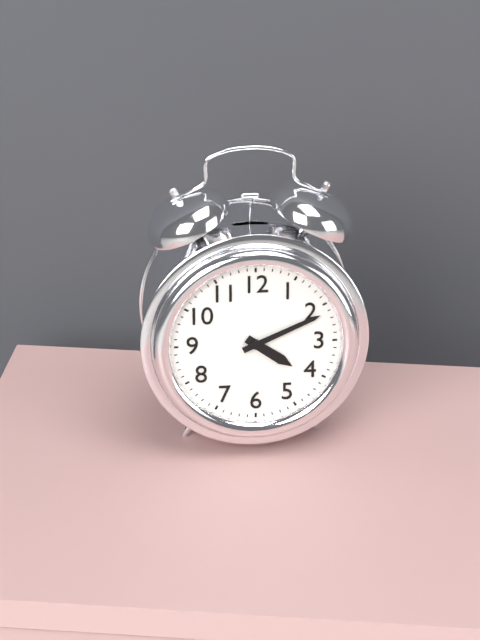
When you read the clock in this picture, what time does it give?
4:11
